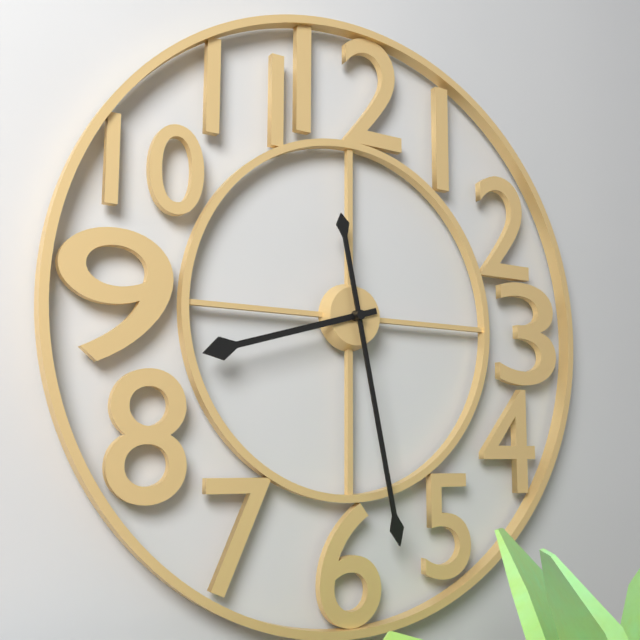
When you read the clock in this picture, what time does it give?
8:28
